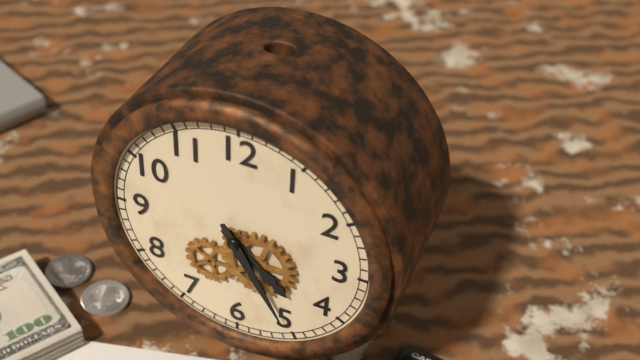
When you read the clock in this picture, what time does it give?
4:25
